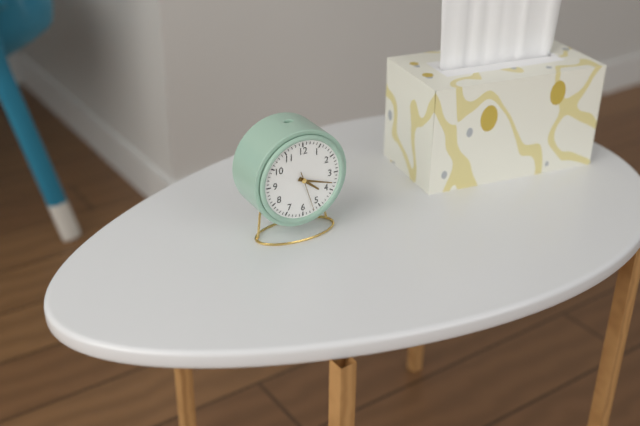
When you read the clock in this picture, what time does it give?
4:18
